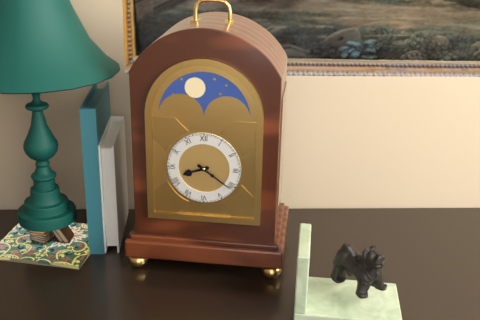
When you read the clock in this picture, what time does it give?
8:21
